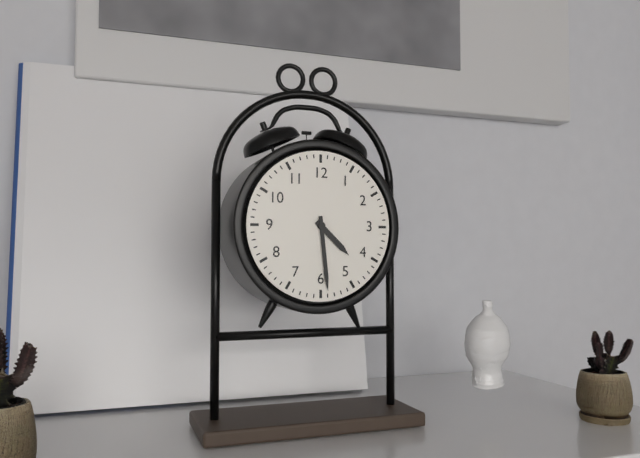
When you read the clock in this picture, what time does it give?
4:29
